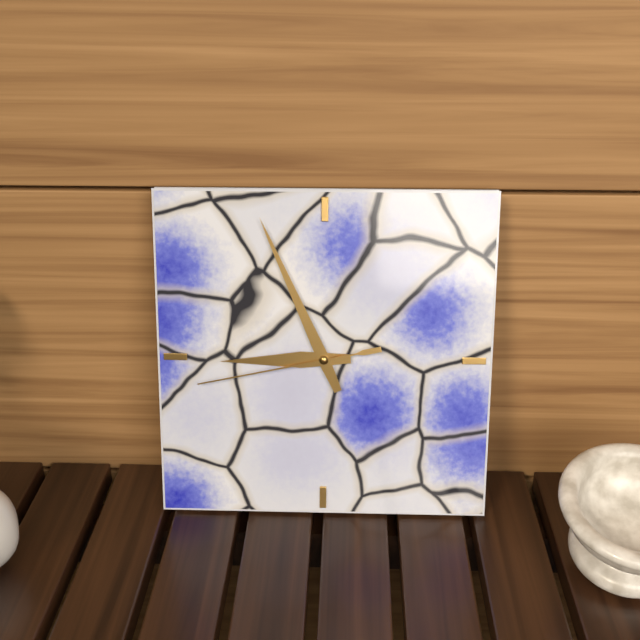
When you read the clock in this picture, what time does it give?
8:56:43
